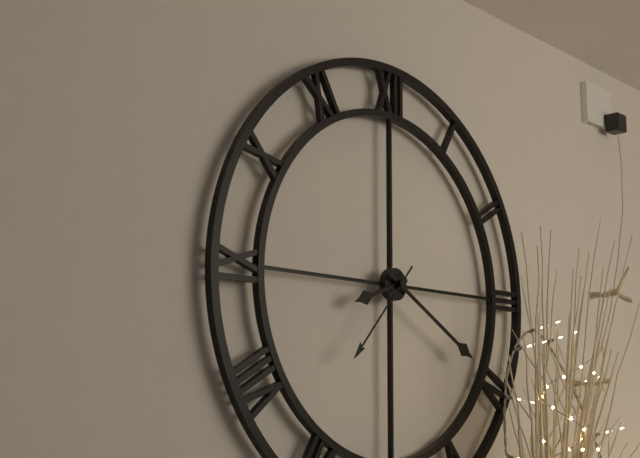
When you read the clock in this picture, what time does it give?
8:20:37
